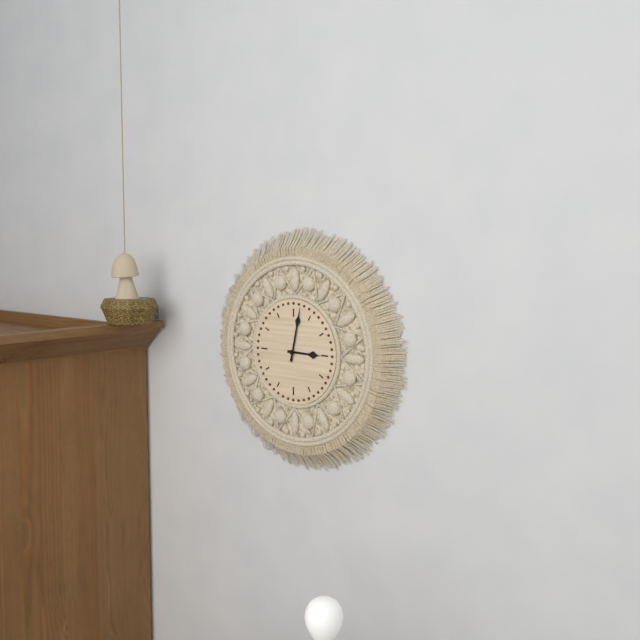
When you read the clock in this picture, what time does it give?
3:02
